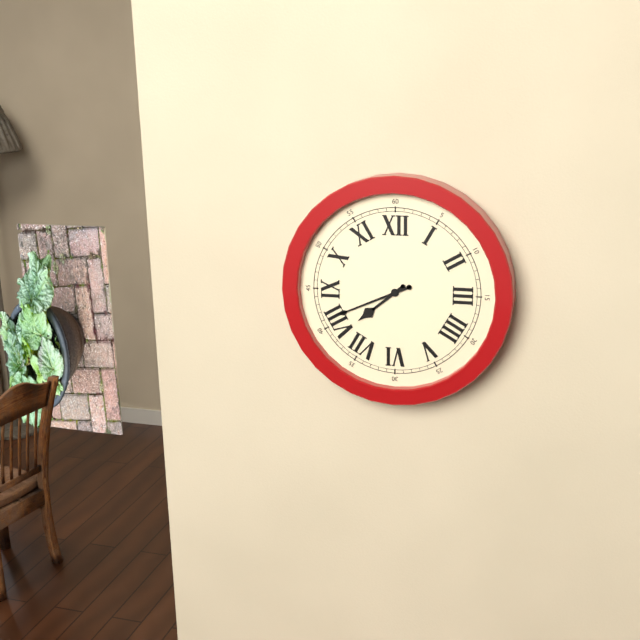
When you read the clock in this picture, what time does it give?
7:41
